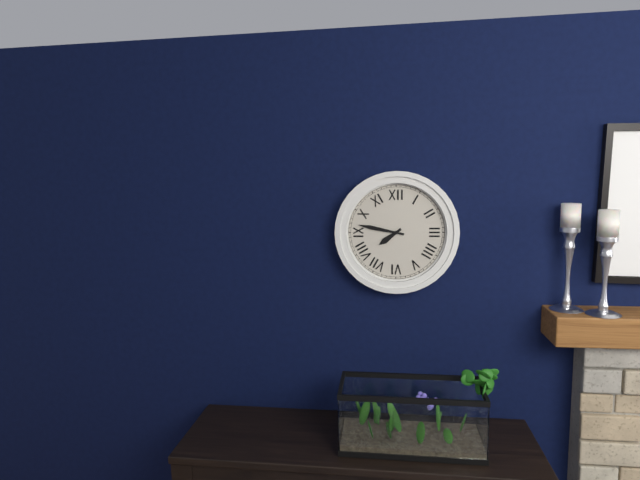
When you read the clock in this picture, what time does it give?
7:47
